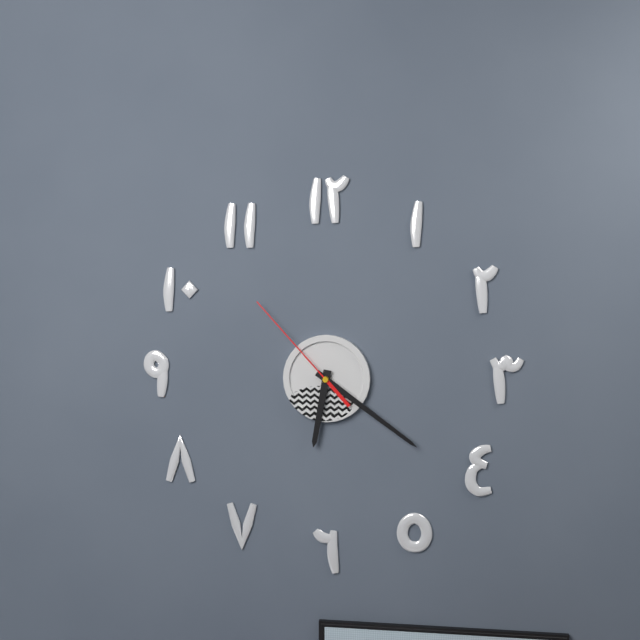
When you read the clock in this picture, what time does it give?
6:21:53
